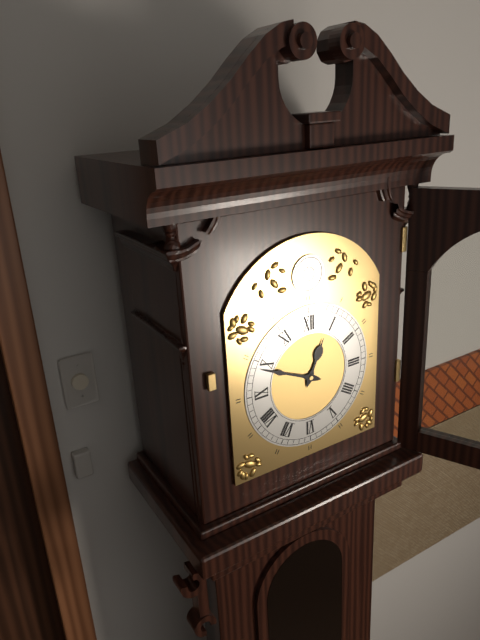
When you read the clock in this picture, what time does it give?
12:49
